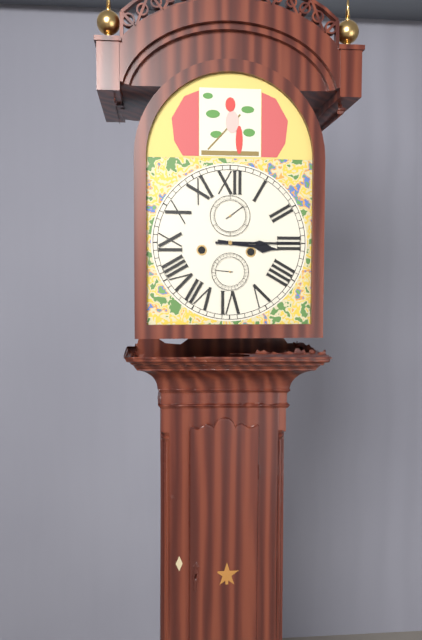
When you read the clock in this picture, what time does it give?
3:15
